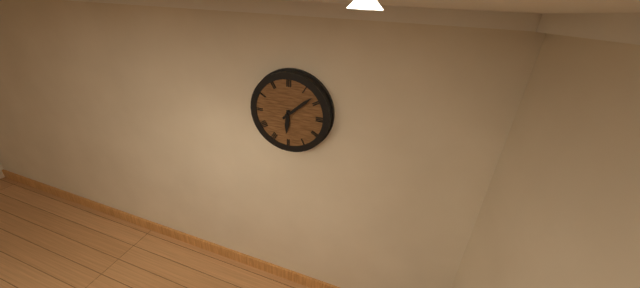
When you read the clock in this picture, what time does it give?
6:08
